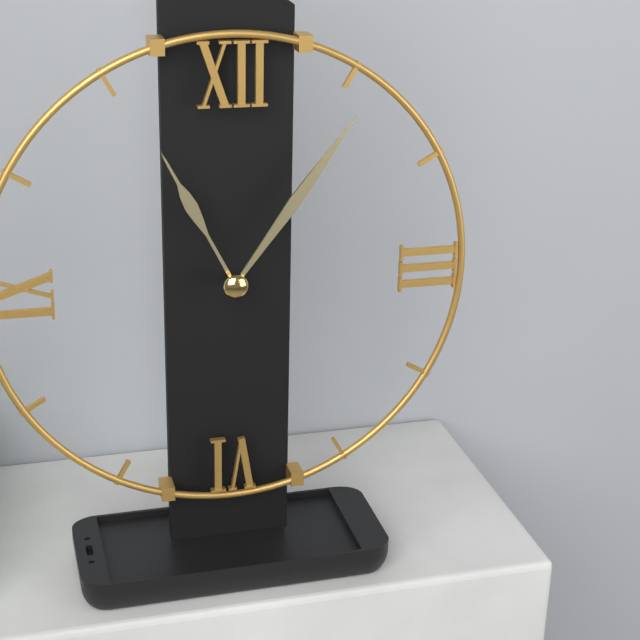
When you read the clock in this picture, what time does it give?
11:06
